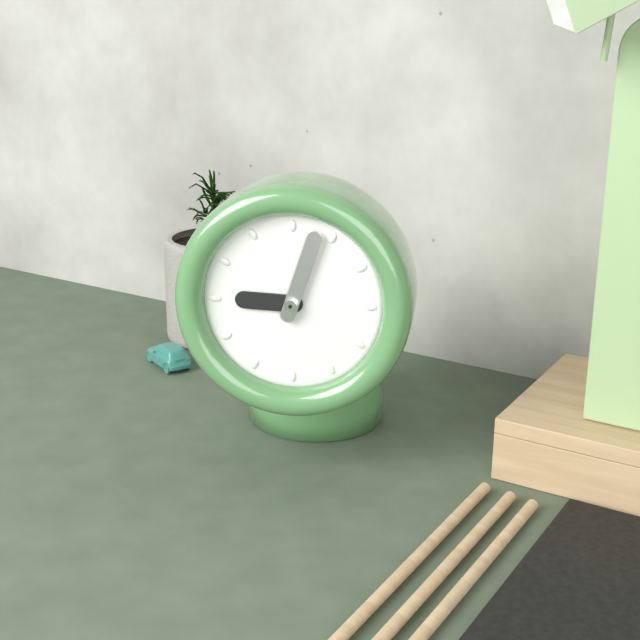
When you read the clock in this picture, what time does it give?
9:03
